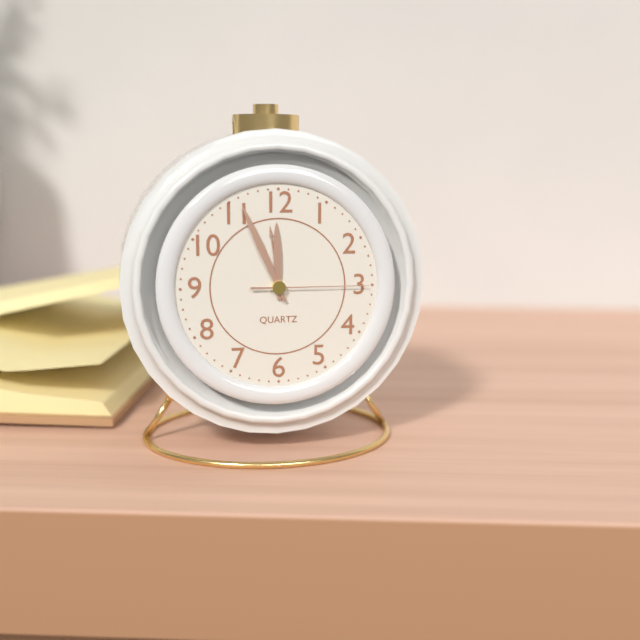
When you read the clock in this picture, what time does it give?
11:56:15
